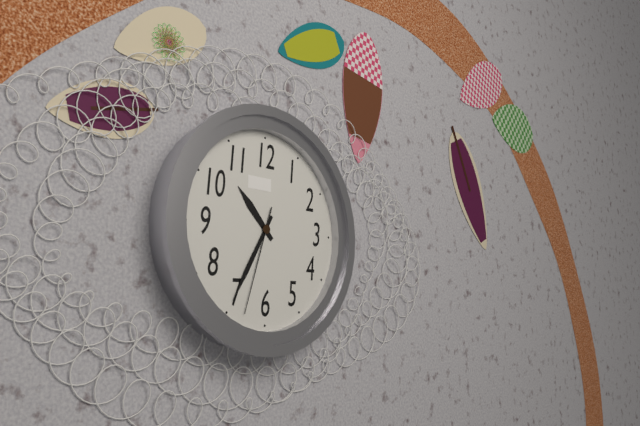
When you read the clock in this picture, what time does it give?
10:35:33
